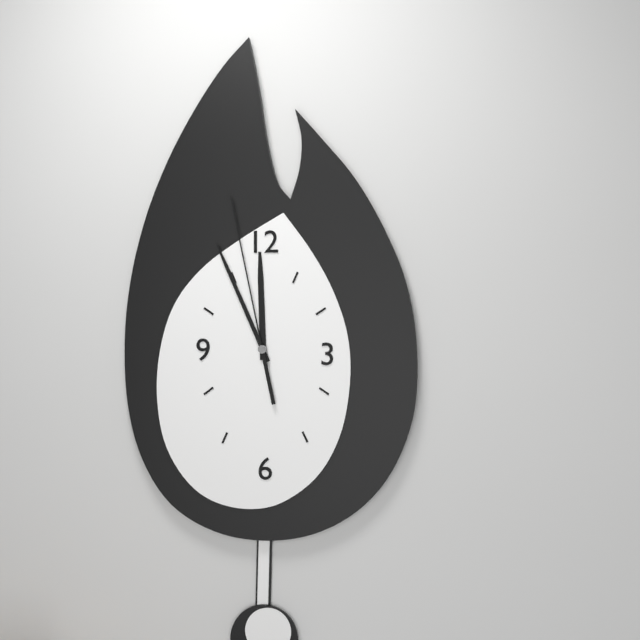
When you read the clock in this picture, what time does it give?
11:56:58
